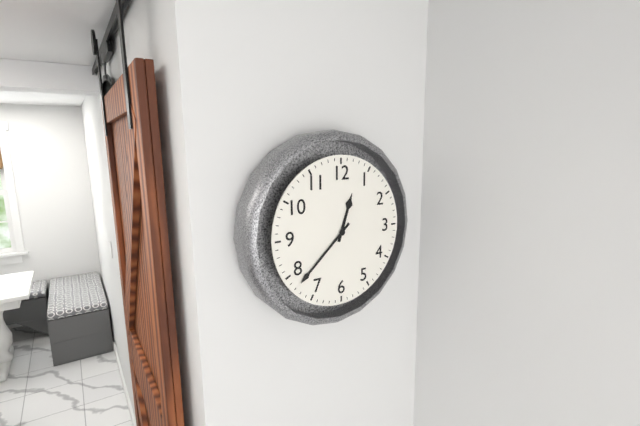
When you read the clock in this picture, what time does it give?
12:38
